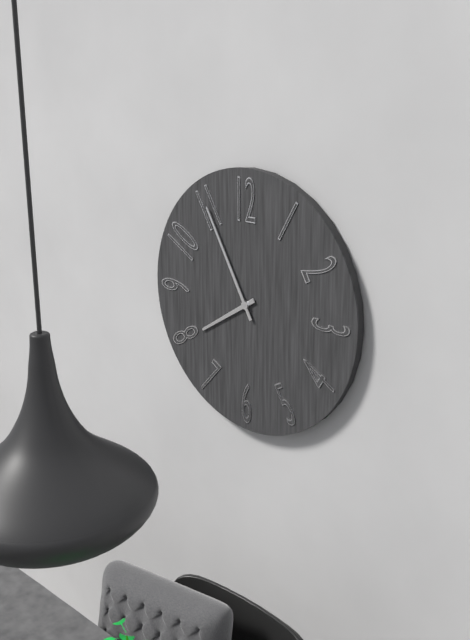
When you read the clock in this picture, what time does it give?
7:55
